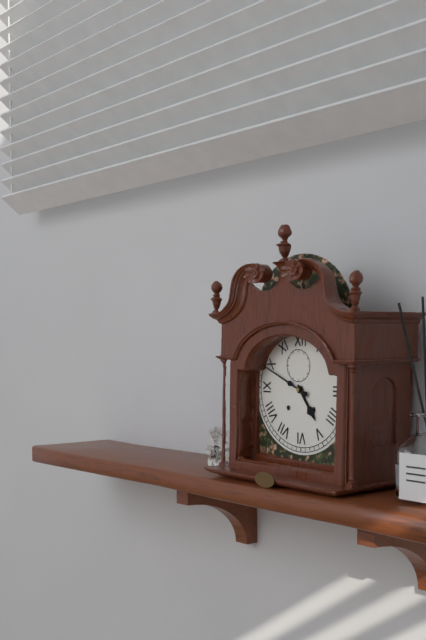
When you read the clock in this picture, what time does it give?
4:49
